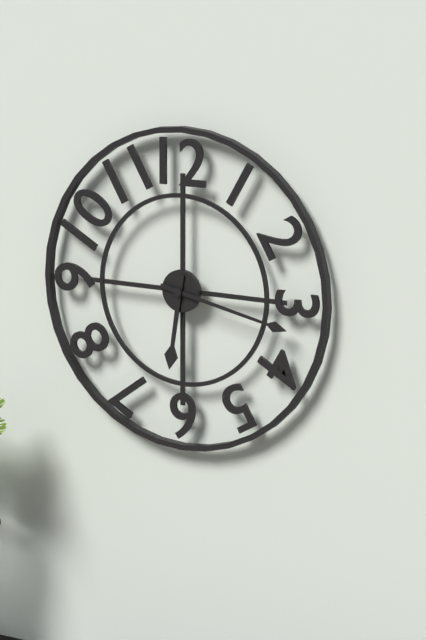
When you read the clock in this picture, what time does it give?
6:17
